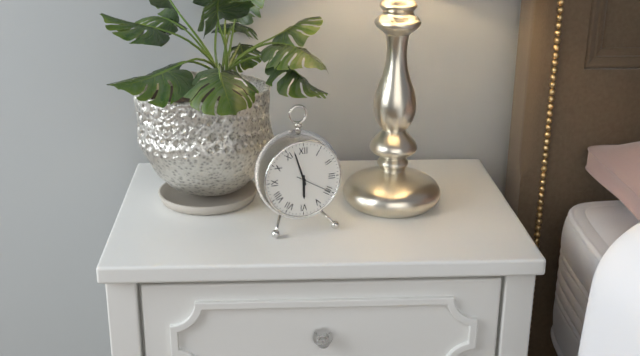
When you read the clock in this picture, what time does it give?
5:57
